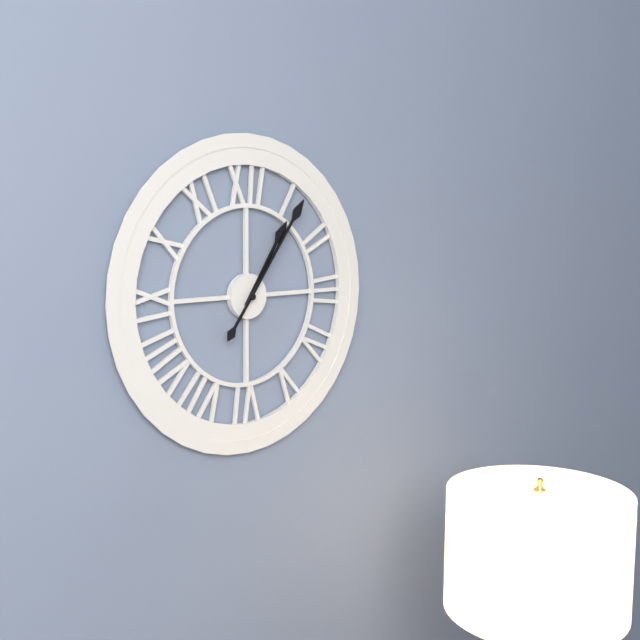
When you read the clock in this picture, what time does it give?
1:06
